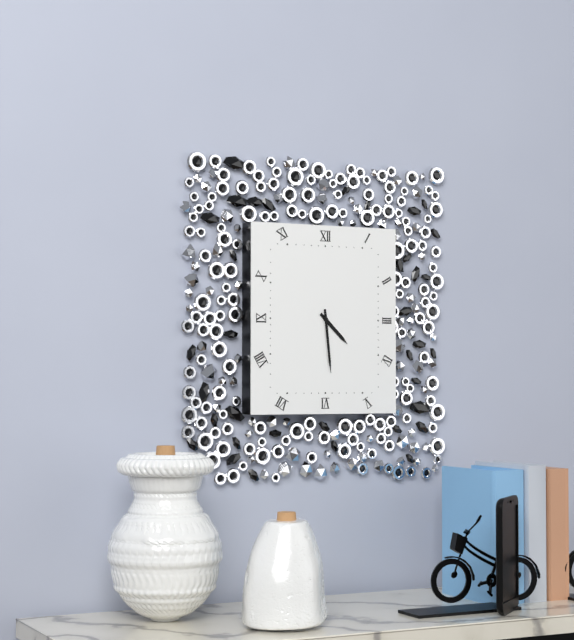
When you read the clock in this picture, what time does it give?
4:29
